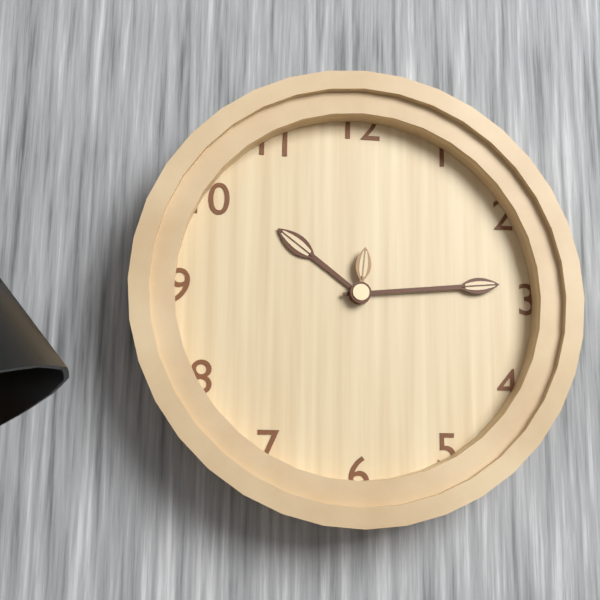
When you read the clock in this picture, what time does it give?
10:14:01
